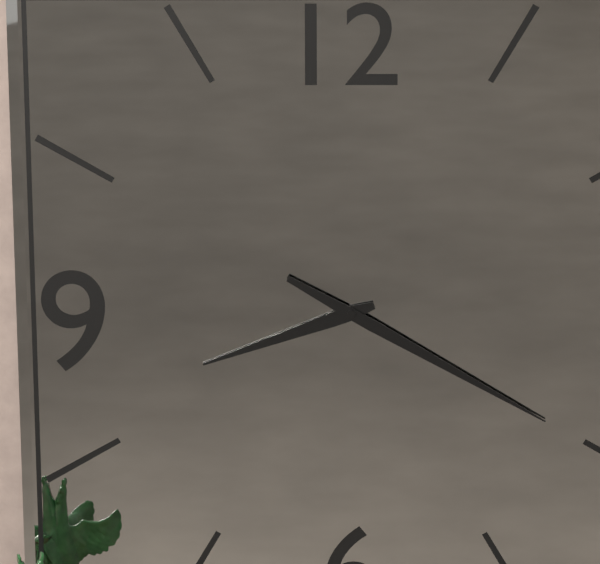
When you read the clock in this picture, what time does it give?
8:20
